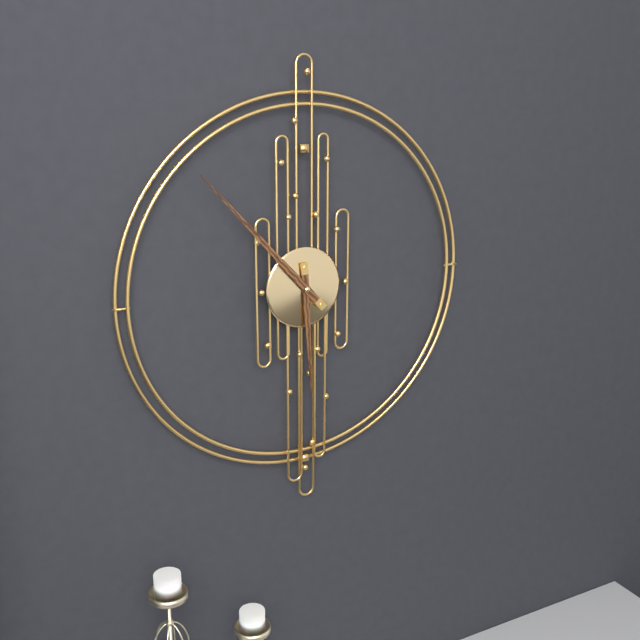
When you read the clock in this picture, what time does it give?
5:53
